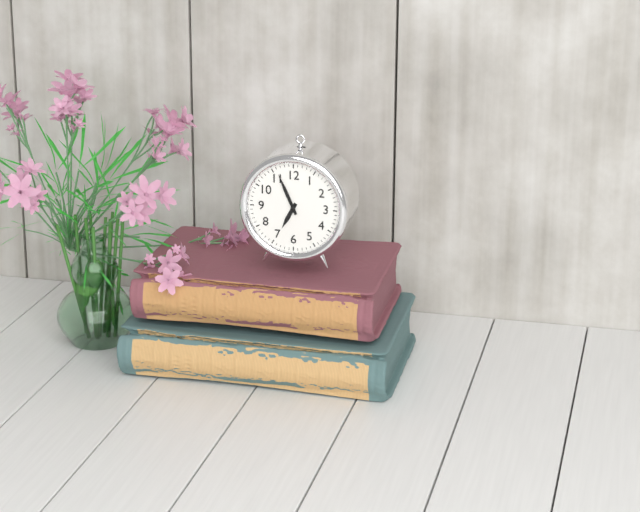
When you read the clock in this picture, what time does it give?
6:56
